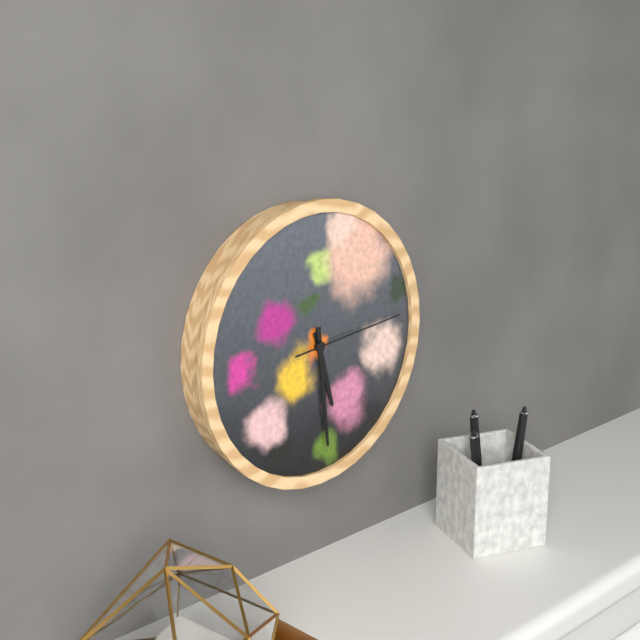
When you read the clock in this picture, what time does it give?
5:29:14
